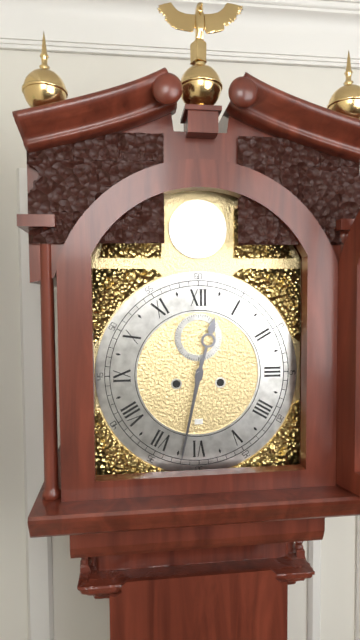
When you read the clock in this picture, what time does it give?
12:32
